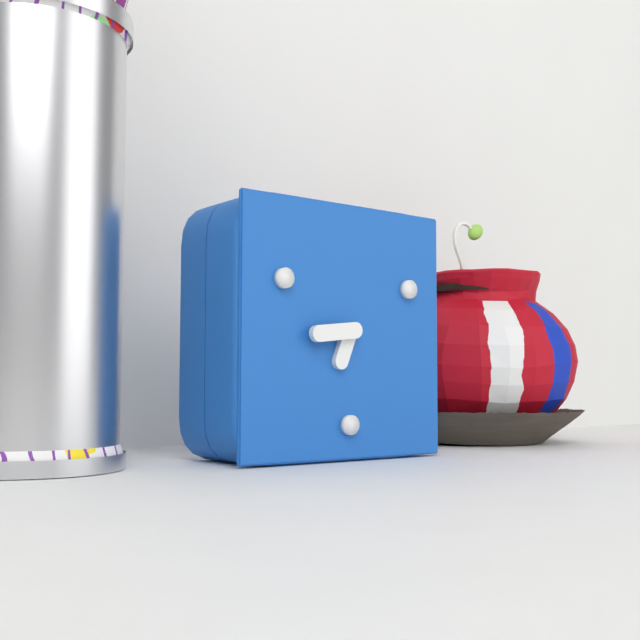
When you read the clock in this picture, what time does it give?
6:44
